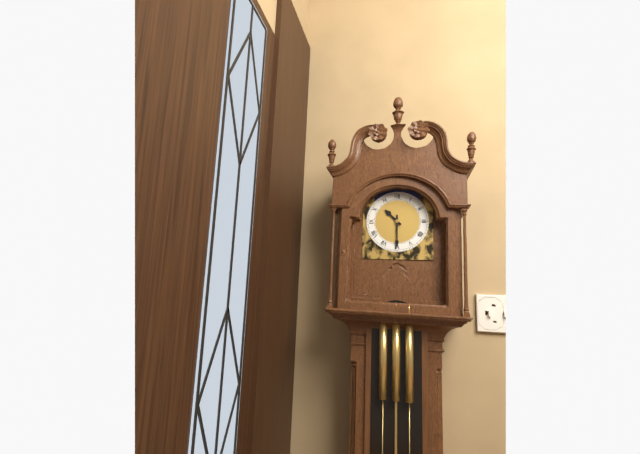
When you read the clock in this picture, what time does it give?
10:30
